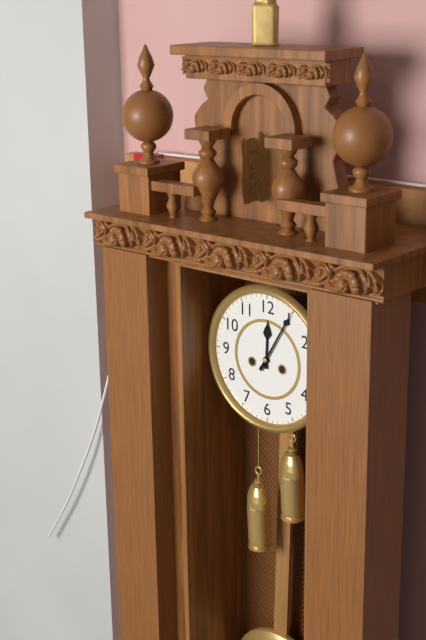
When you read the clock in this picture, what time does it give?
12:05
